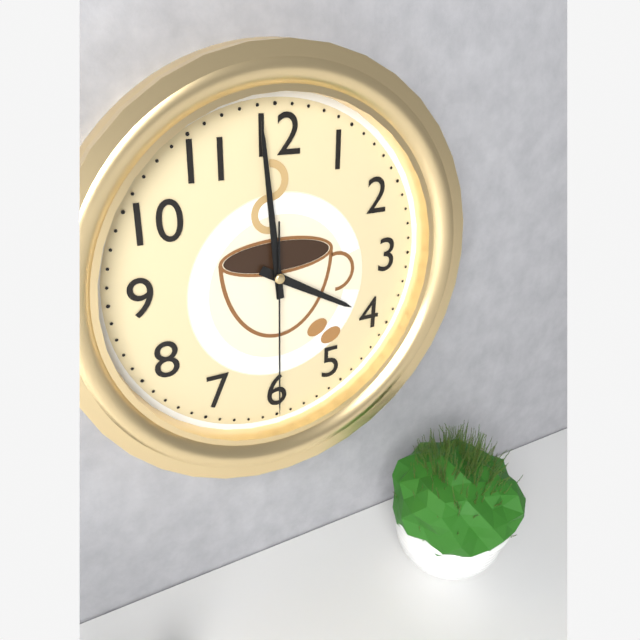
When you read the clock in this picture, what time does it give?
3:59:30
